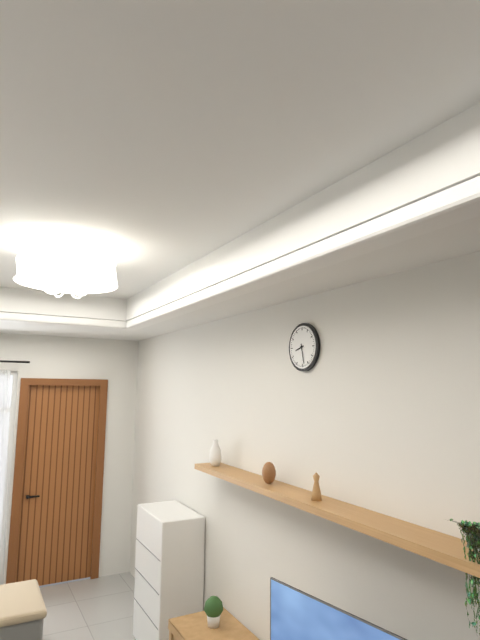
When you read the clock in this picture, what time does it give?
8:28
